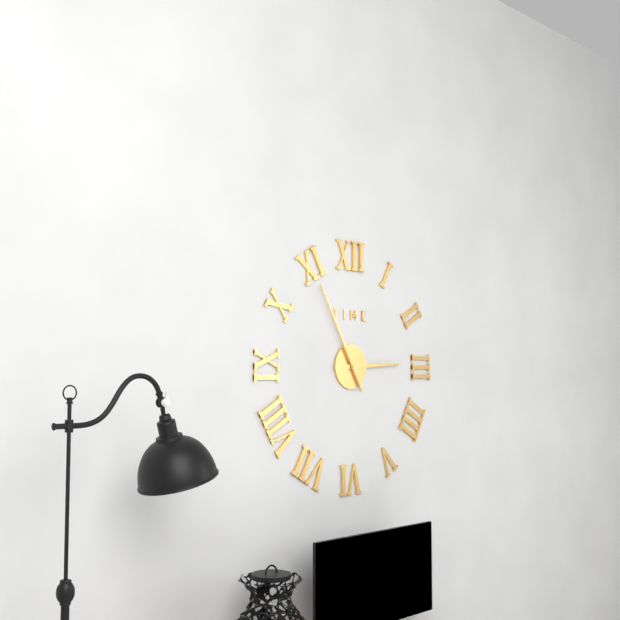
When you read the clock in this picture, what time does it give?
2:55
